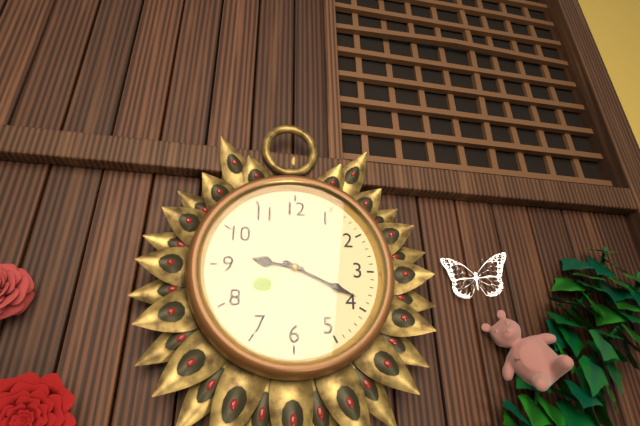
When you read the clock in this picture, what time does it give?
9:19
